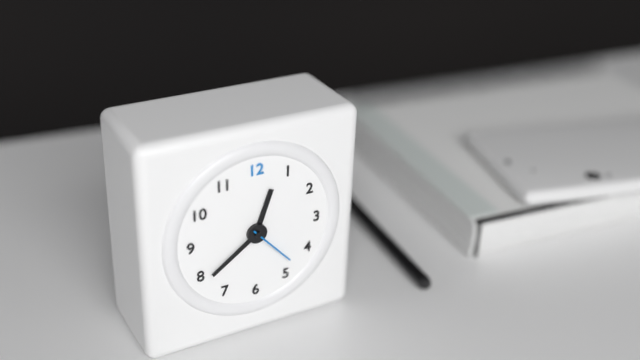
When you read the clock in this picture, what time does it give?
12:39:23
